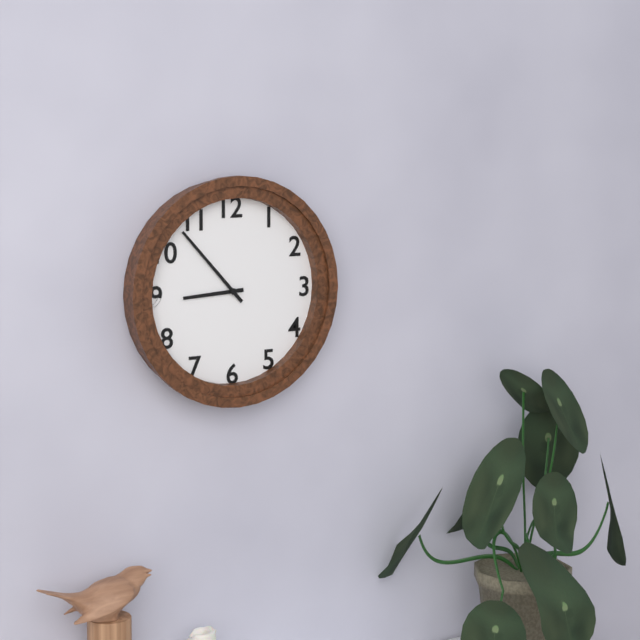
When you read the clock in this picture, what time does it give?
8:53
